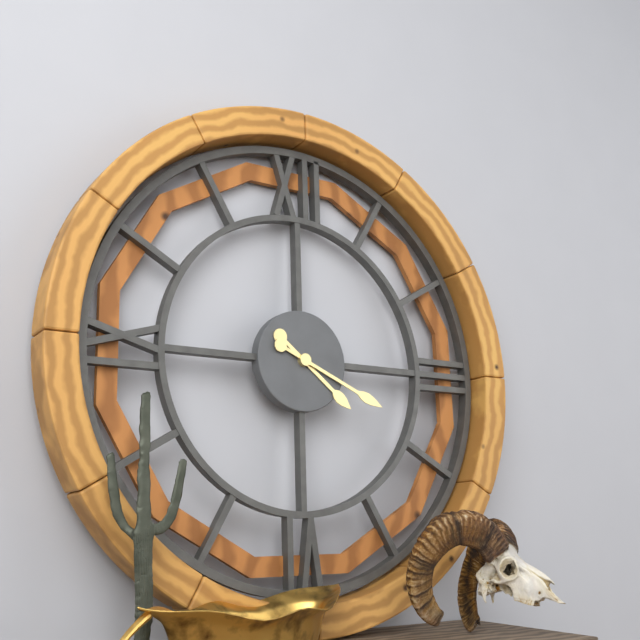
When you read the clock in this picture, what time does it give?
4:19
